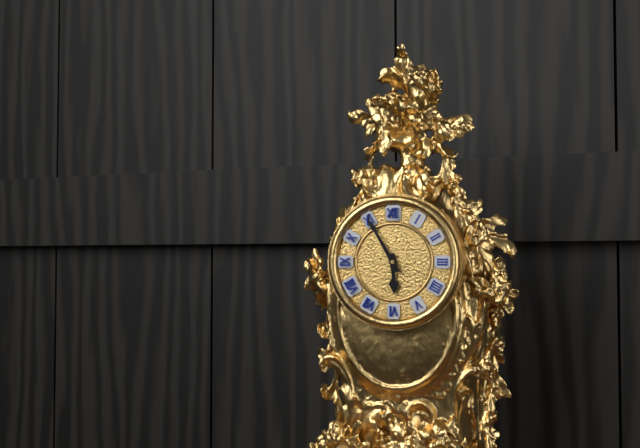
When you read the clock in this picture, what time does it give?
5:55
